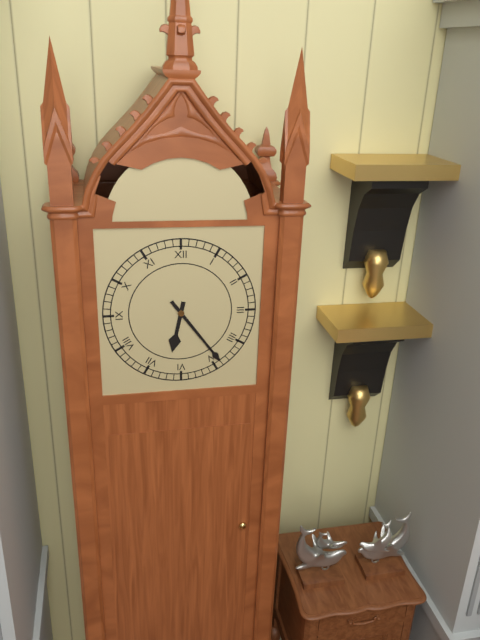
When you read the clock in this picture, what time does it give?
6:24
